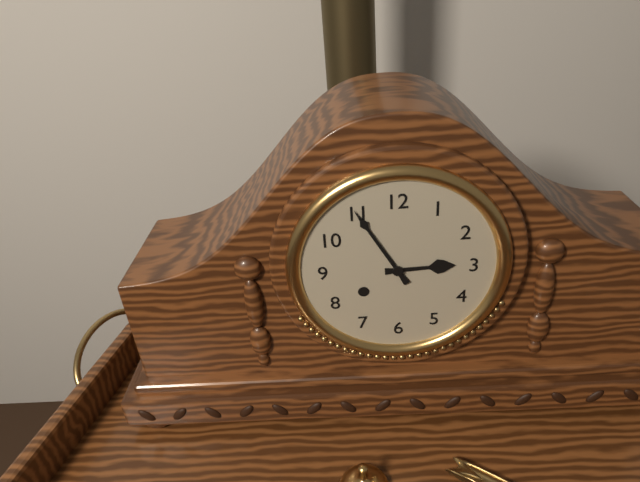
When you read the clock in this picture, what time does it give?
2:55
